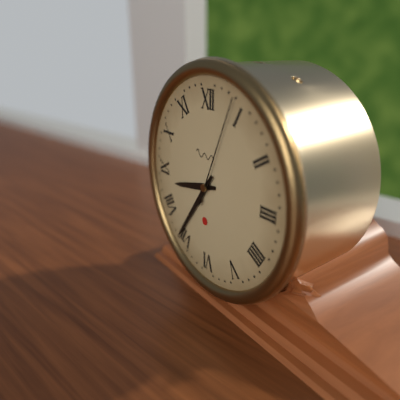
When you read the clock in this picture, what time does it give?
8:36:04
